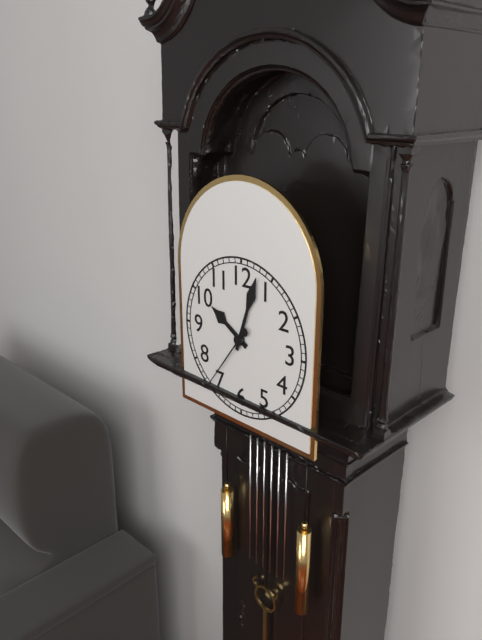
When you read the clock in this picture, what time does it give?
10:03:36
